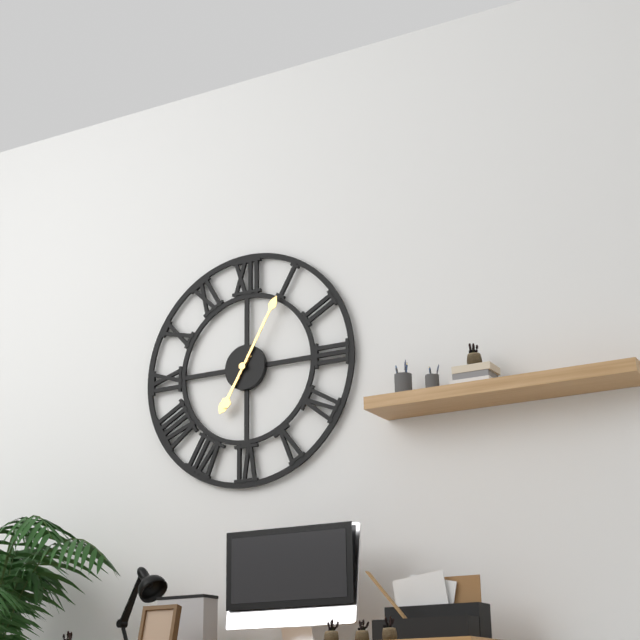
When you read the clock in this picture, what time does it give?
7:05
